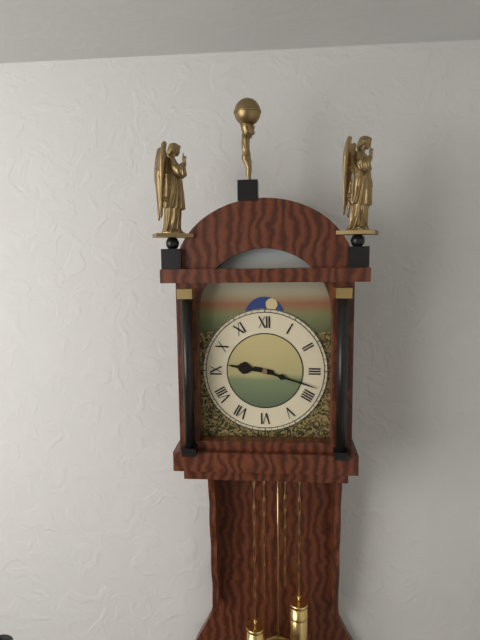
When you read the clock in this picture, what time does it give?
9:18
